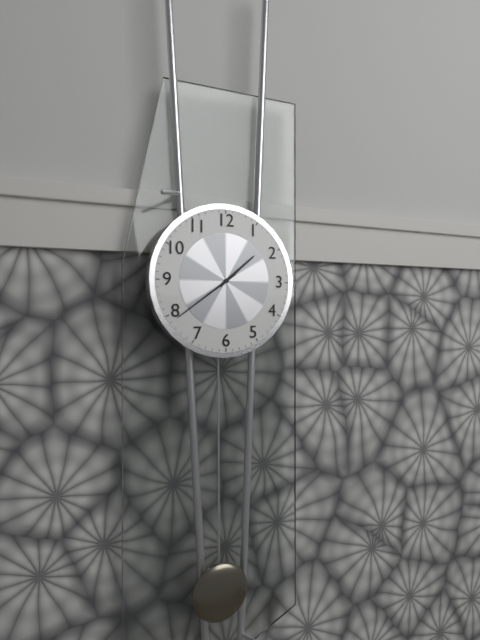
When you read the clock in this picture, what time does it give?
1:39
